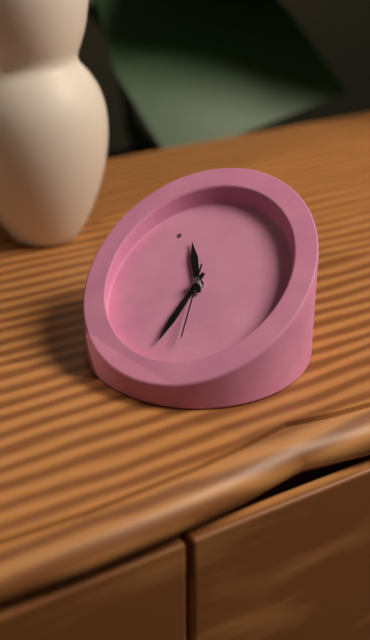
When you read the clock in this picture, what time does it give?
1:45:42
